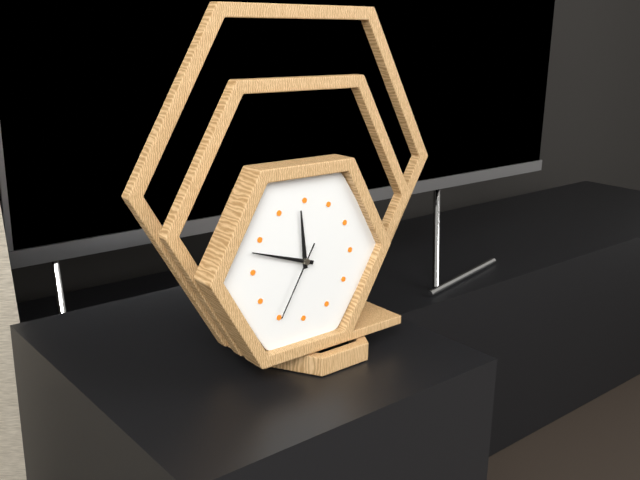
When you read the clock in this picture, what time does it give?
11:48:35
